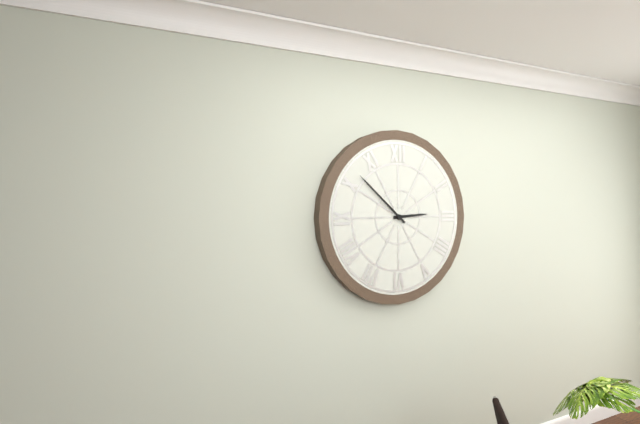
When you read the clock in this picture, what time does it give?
2:52
